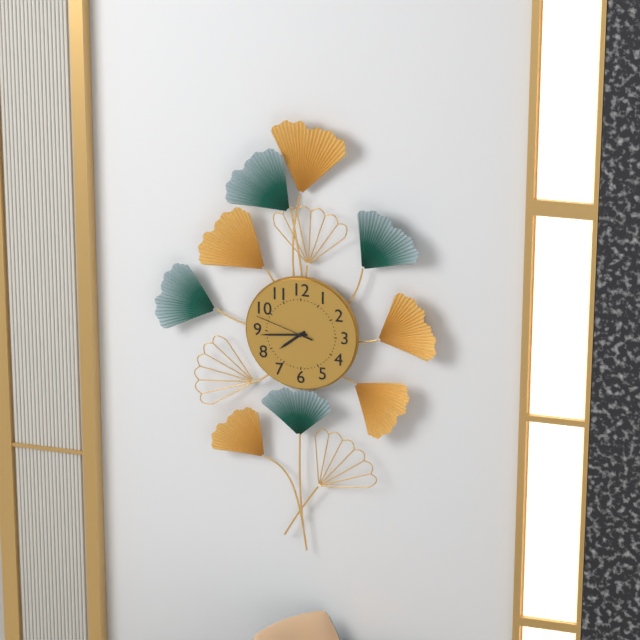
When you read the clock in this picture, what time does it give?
7:44:48
